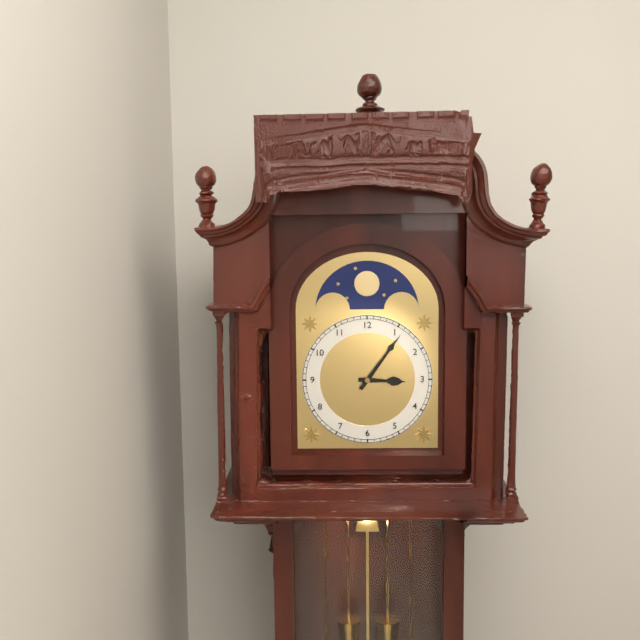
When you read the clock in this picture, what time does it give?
3:06
